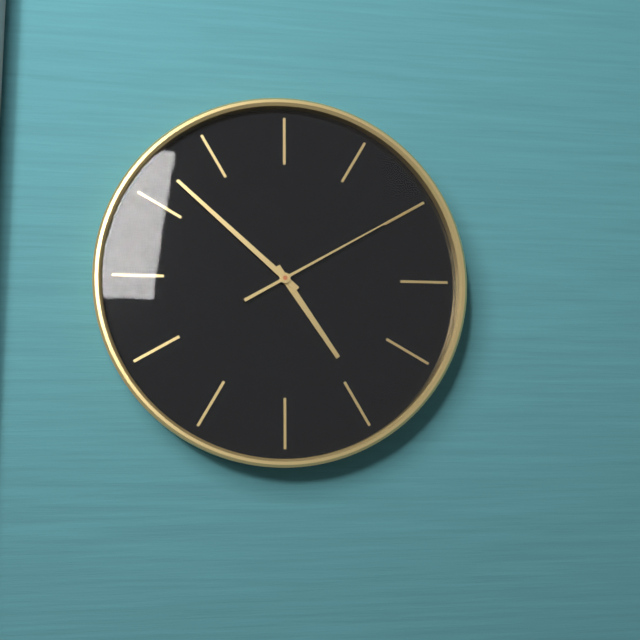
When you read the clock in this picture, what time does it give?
4:52:10
